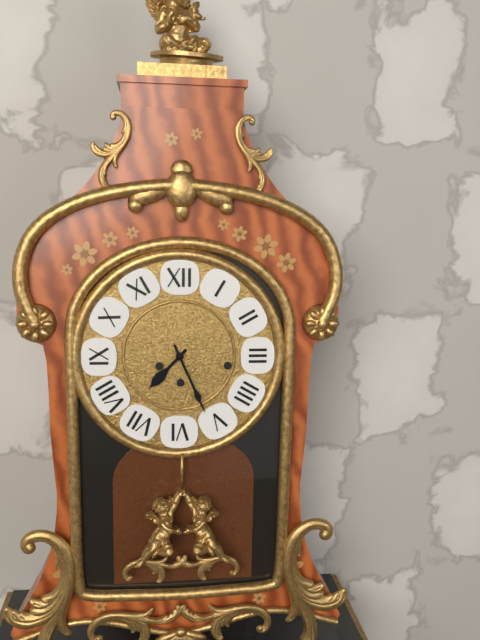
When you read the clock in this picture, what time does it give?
7:26
